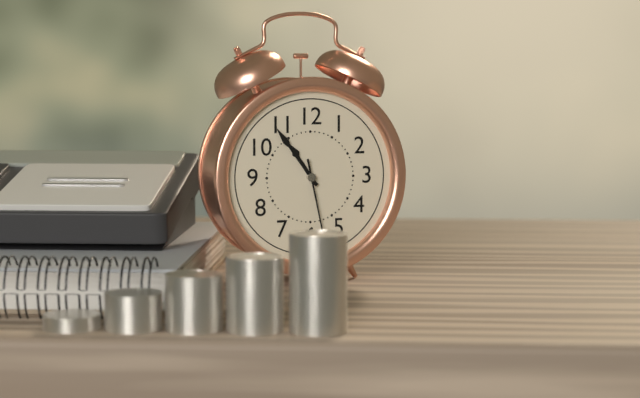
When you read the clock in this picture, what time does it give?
10:54:28
